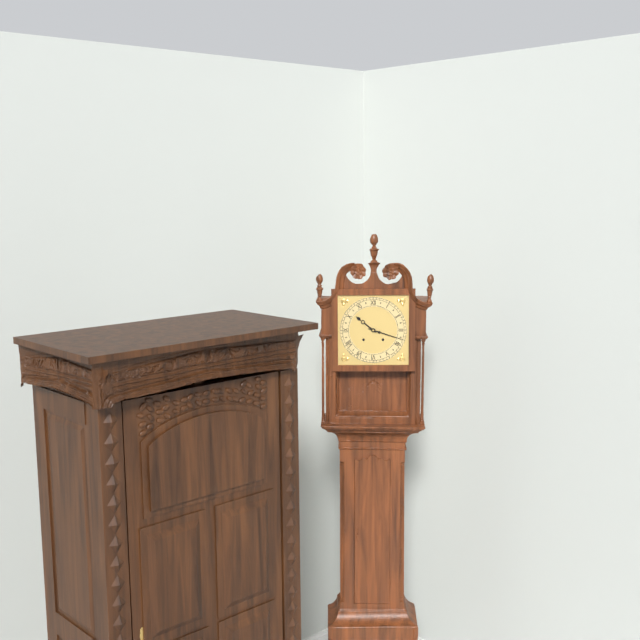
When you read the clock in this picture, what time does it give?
10:18
